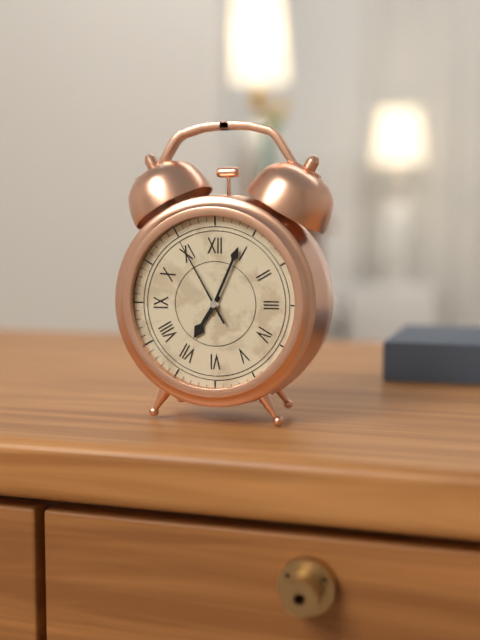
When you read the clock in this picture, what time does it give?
7:04:55
